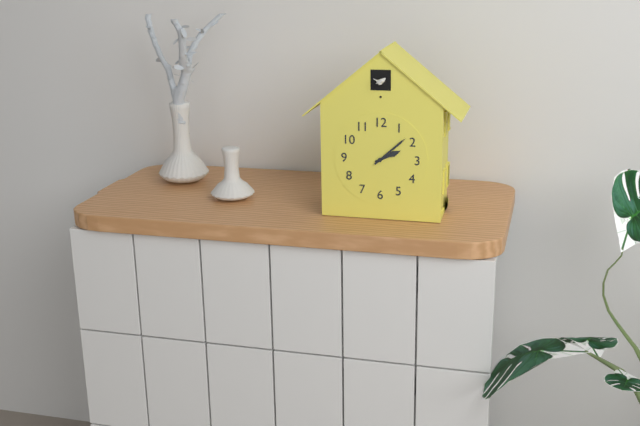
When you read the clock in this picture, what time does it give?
2:08
